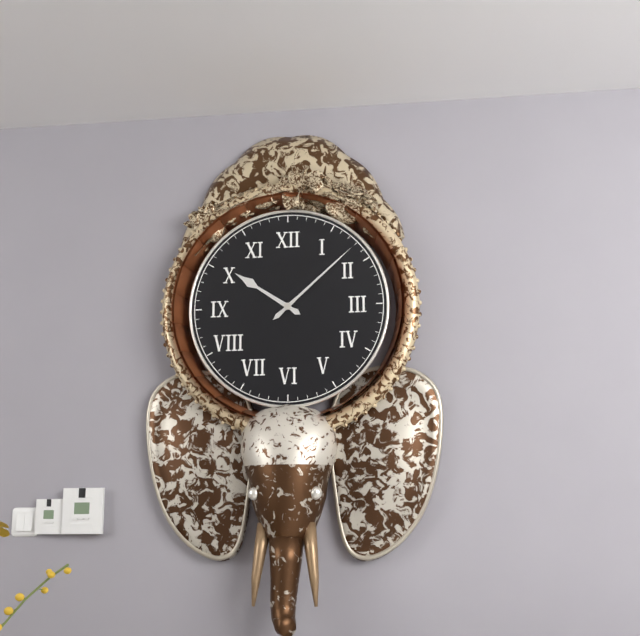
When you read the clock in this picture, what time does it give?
10:08
